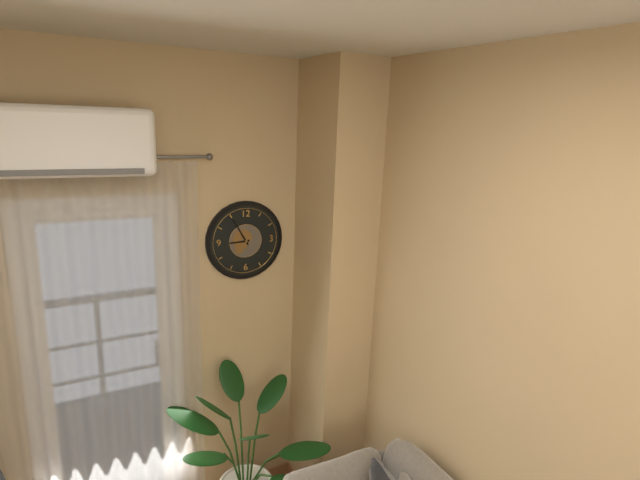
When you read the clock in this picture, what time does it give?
8:55
